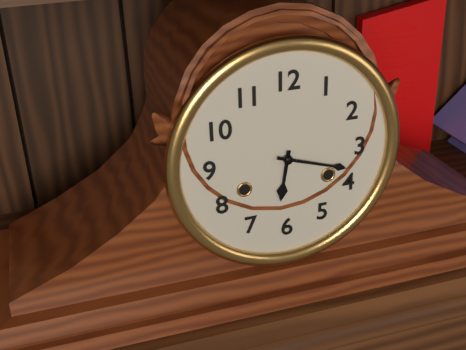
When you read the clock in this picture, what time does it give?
6:18
